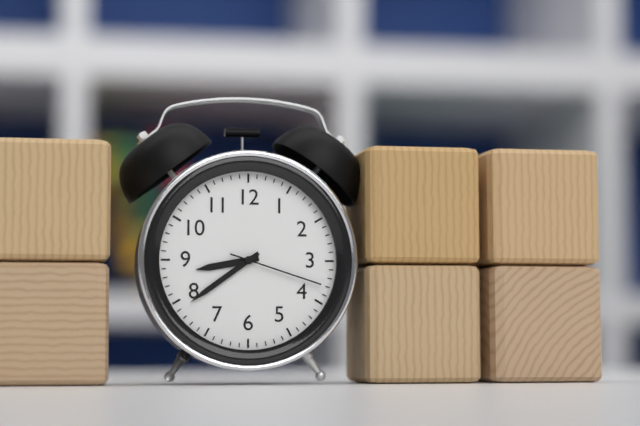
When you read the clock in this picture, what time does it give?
8:39:18
